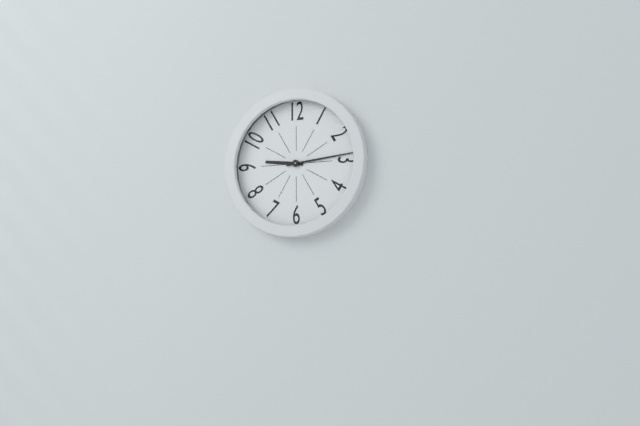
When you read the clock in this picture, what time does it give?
9:14
